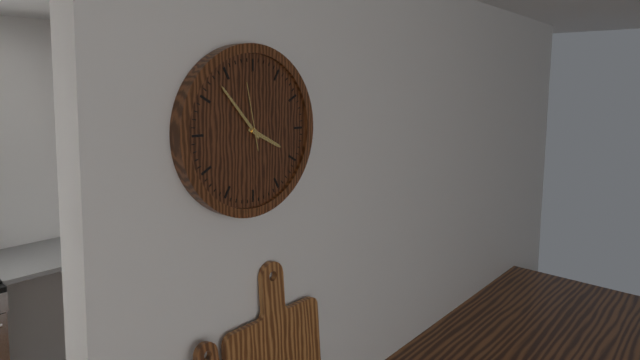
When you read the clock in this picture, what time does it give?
3:53:58
